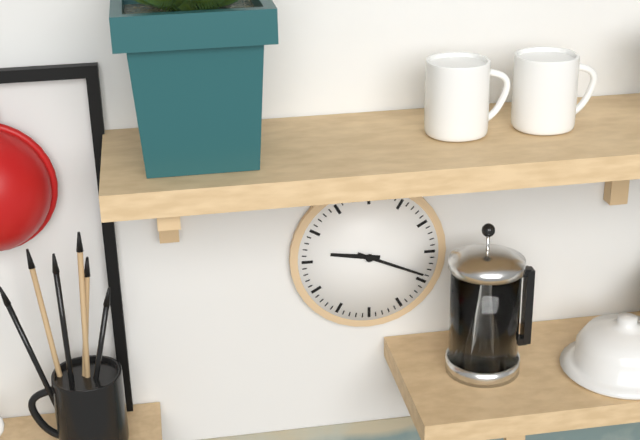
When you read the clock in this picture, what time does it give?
9:19
